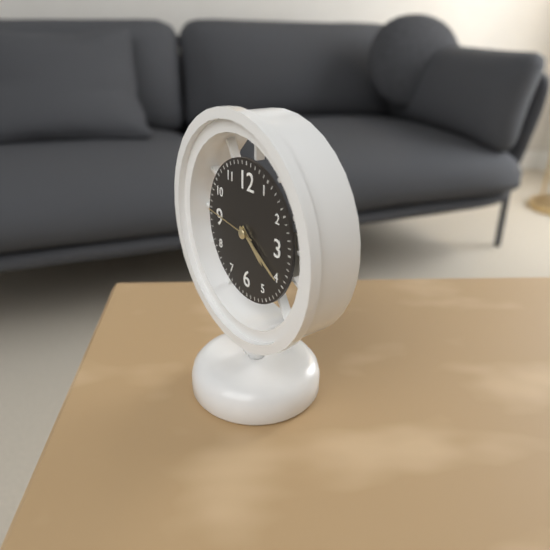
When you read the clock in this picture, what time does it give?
4:20:46
